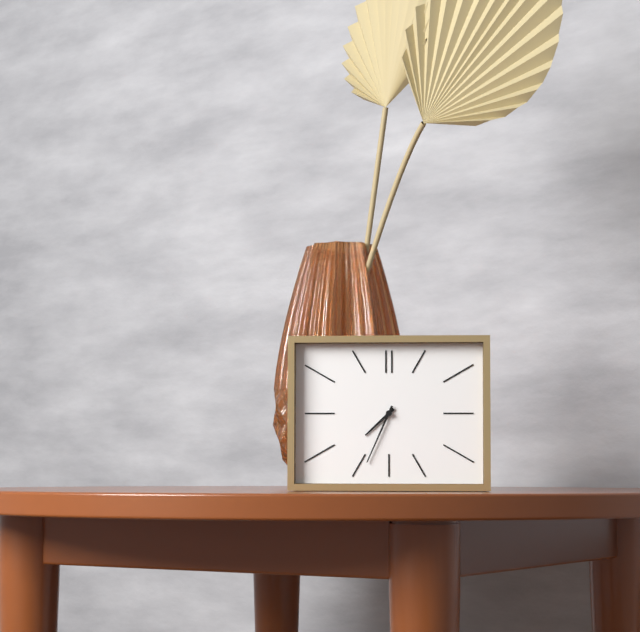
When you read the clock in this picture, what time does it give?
7:34
